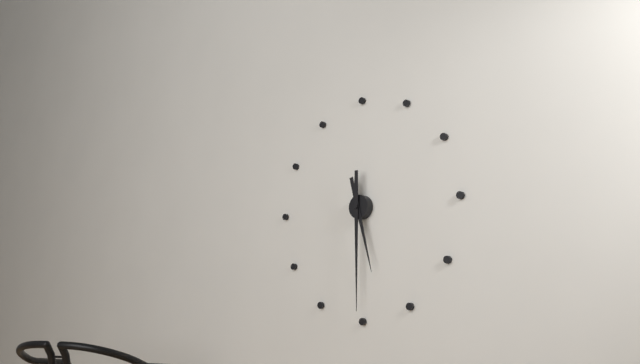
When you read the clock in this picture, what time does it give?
5:30
